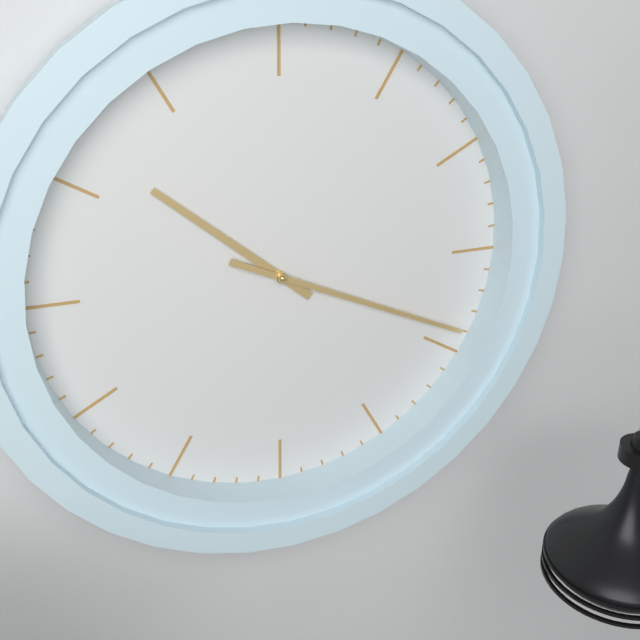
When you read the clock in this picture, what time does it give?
10:19
